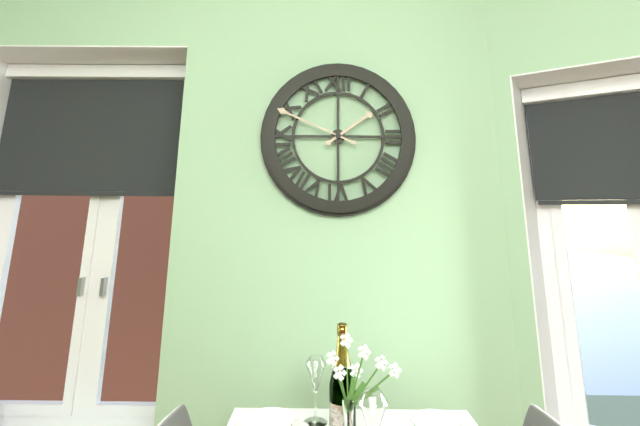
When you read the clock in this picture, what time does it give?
1:49
